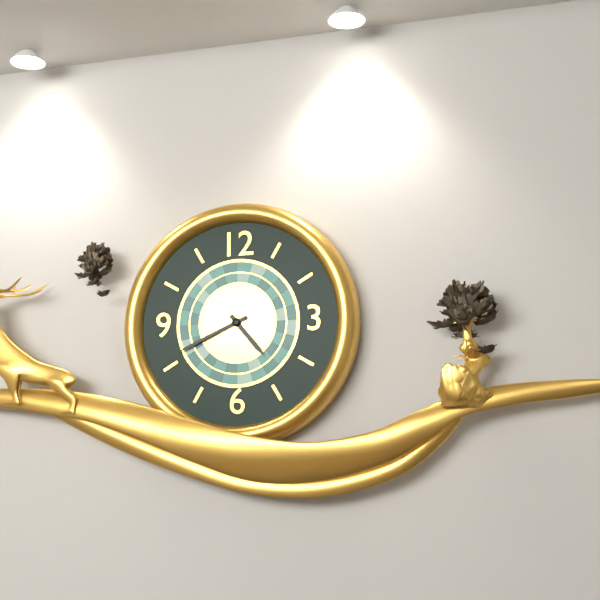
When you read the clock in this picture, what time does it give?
4:41
